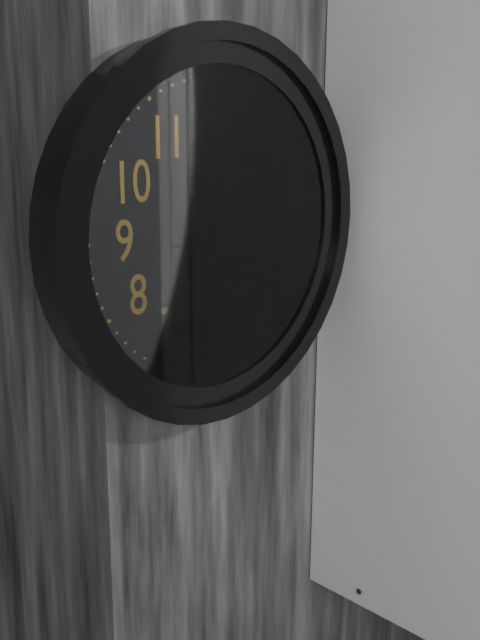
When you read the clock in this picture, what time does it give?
1:01
